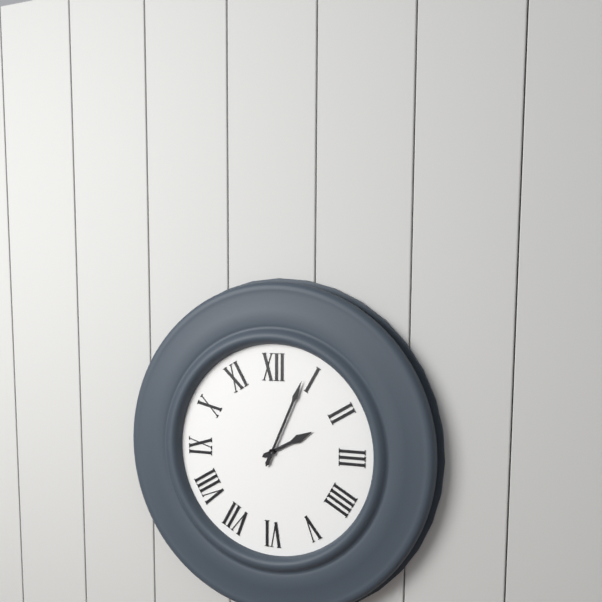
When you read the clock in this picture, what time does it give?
2:04
